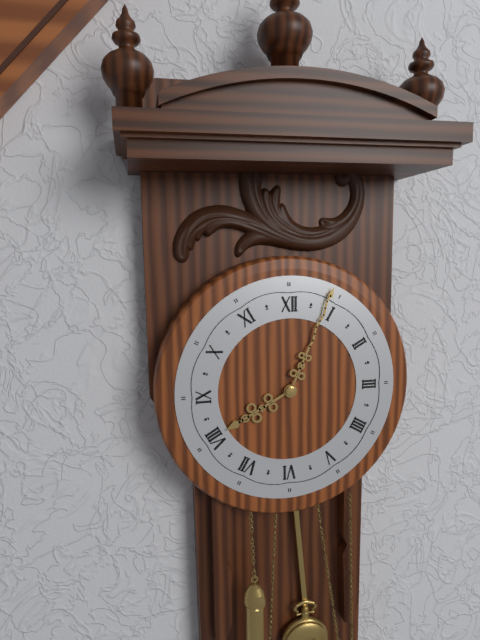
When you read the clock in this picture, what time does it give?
8:04
